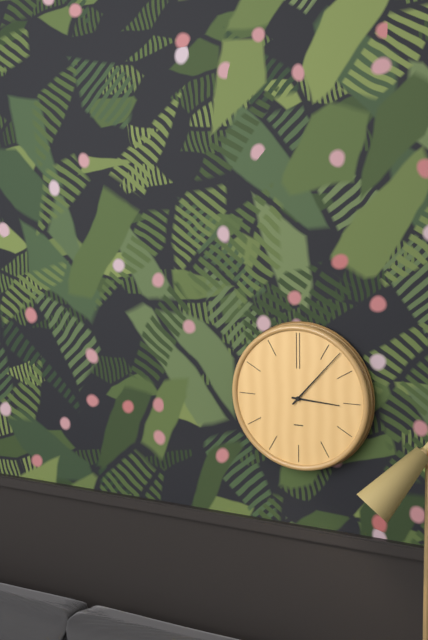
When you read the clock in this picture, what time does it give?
3:07
